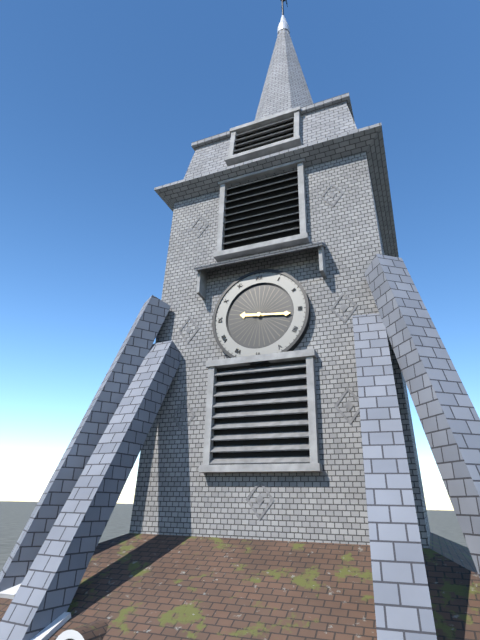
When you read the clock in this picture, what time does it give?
9:16
